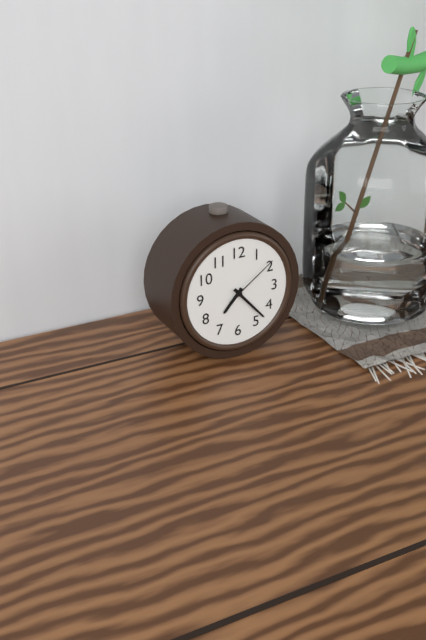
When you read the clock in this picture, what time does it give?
7:23:09
